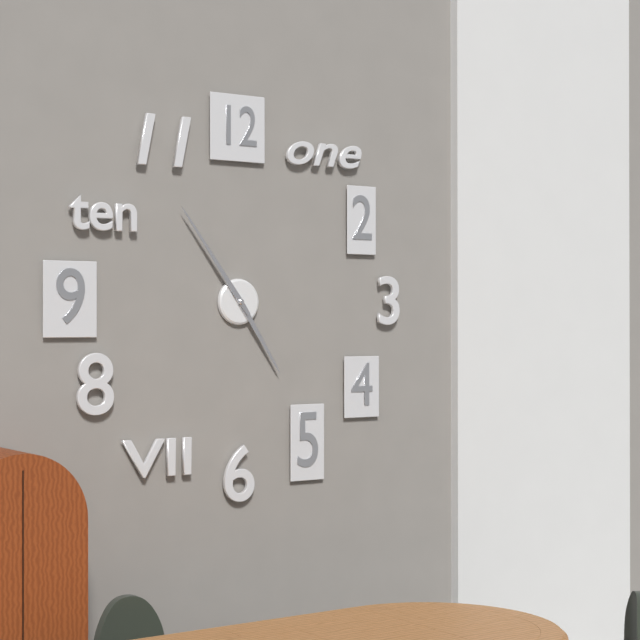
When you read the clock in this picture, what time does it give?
4:54
